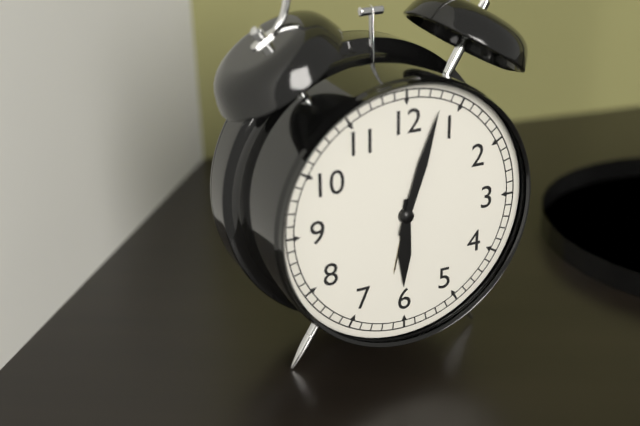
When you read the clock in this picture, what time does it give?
6:03
